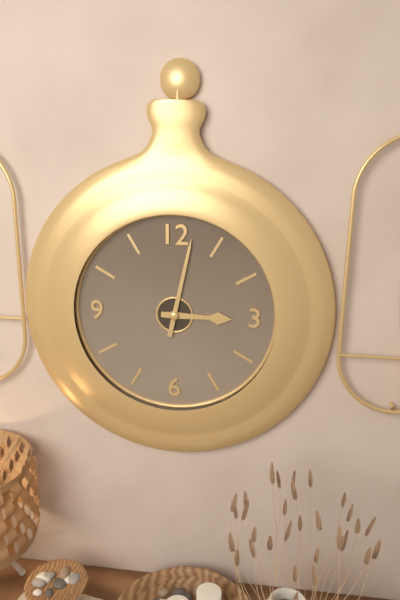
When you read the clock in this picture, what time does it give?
3:02
